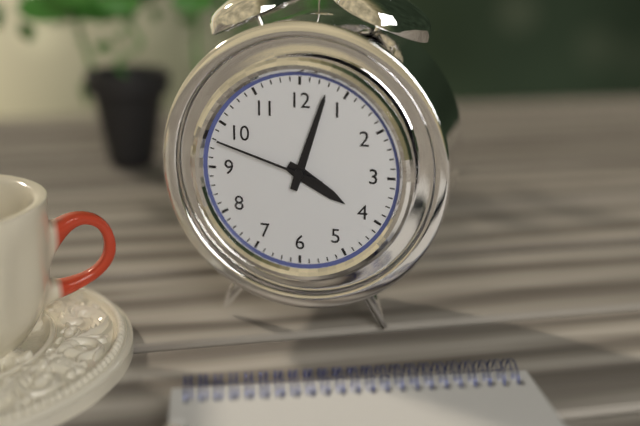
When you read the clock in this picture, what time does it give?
4:03:48
